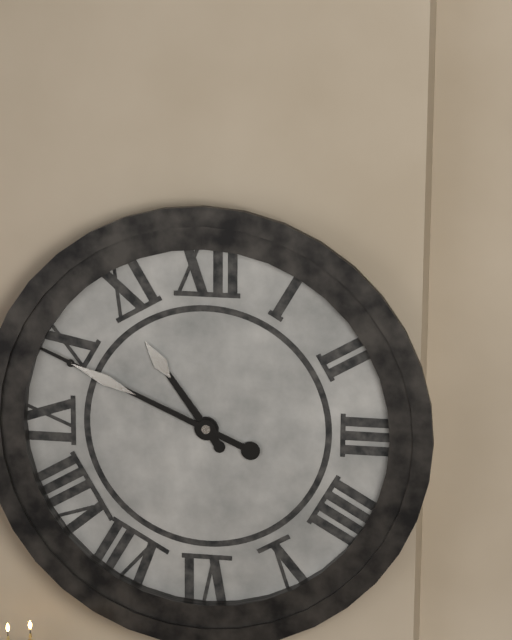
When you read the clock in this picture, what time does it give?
10:49
